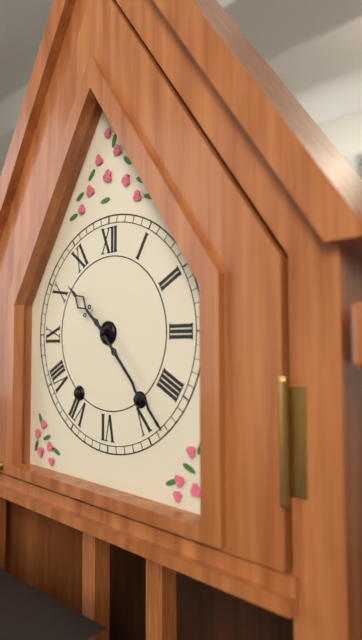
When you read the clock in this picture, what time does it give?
10:23
